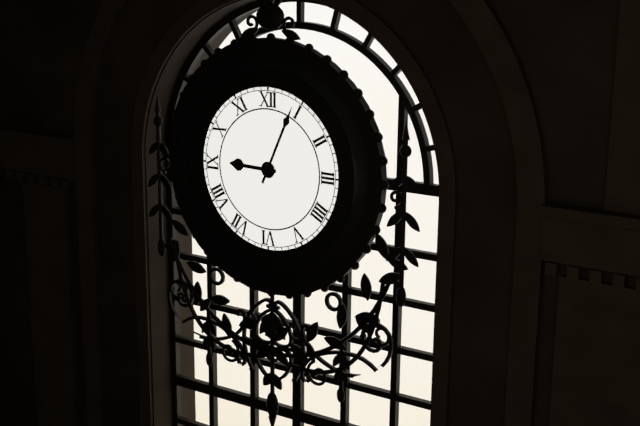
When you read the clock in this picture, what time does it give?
9:04
